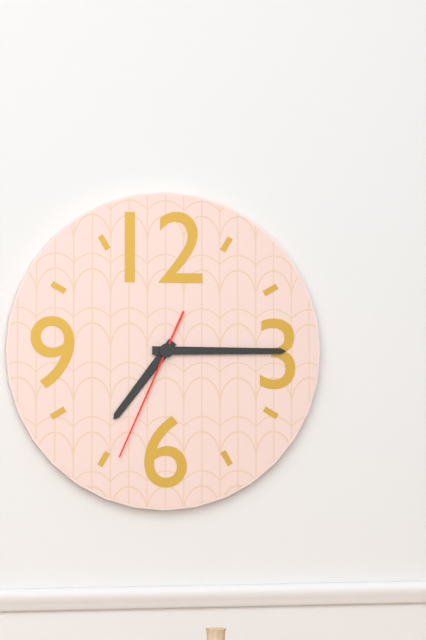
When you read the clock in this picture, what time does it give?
7:15:34
